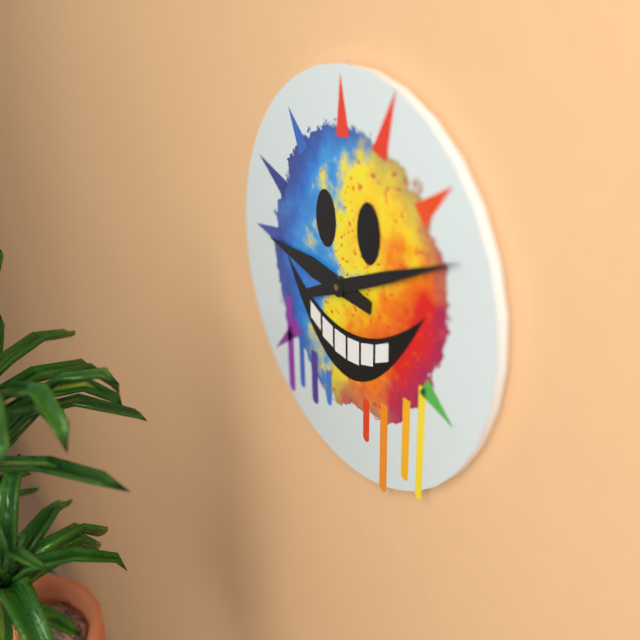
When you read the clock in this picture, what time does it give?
9:11
